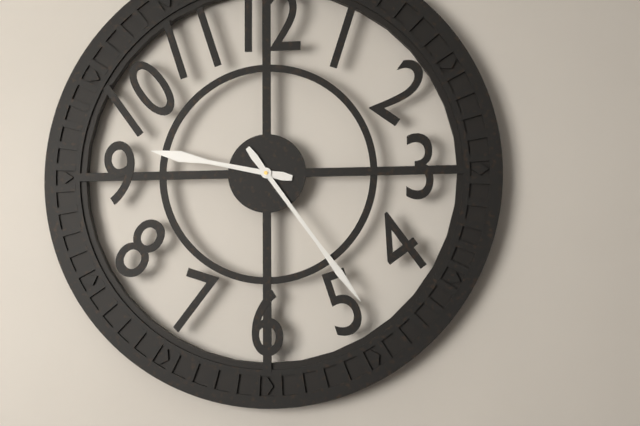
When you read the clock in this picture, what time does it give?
9:24
